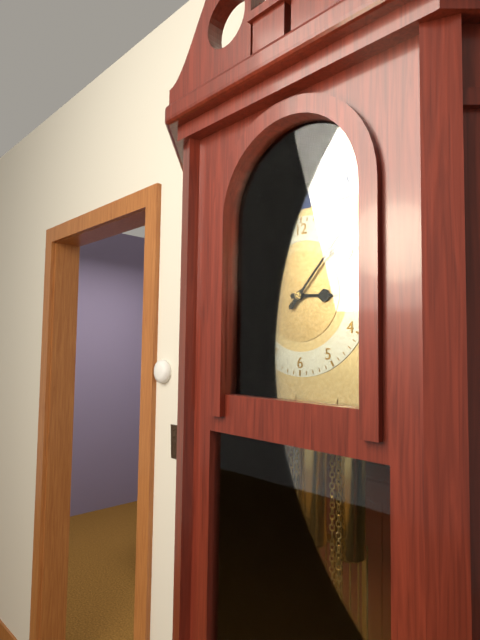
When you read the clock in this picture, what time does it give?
3:07
